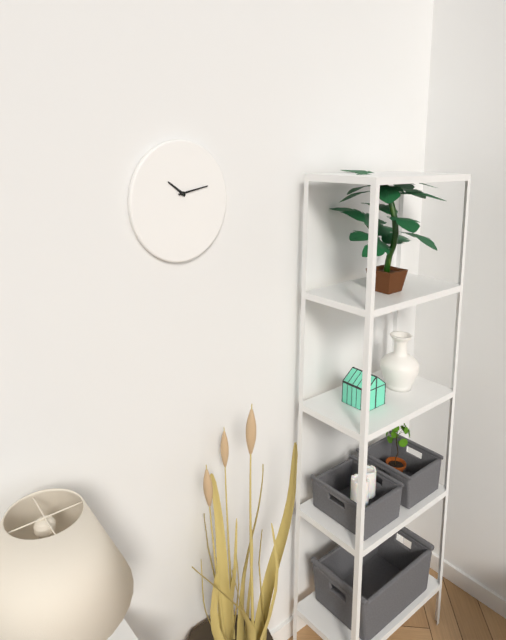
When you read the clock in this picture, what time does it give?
10:13
